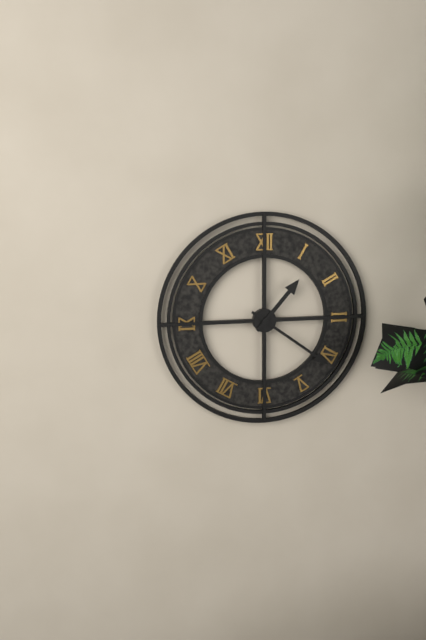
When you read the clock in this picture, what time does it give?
1:21
